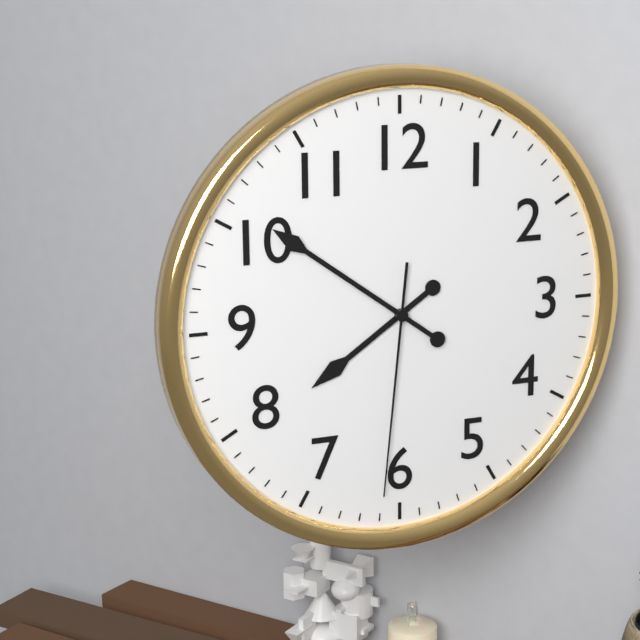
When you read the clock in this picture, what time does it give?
7:51:31
